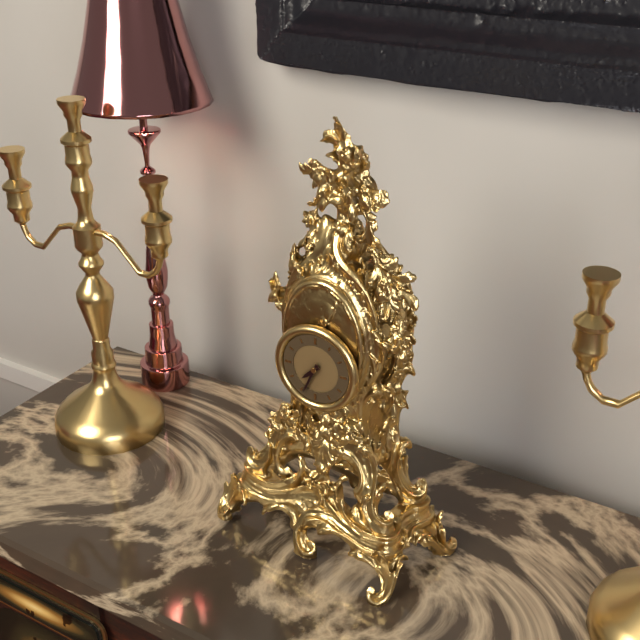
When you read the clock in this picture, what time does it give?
7:34
